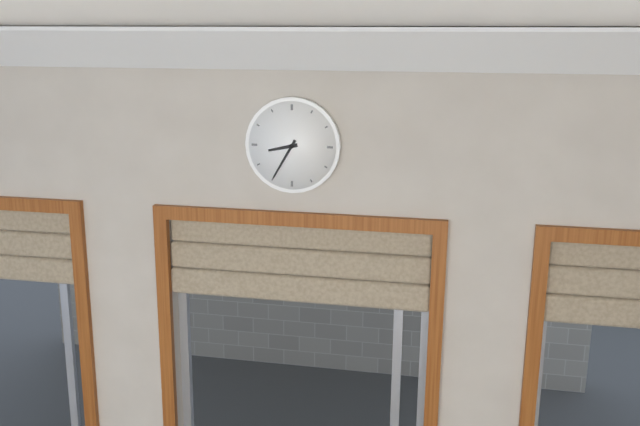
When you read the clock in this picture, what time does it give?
8:35
